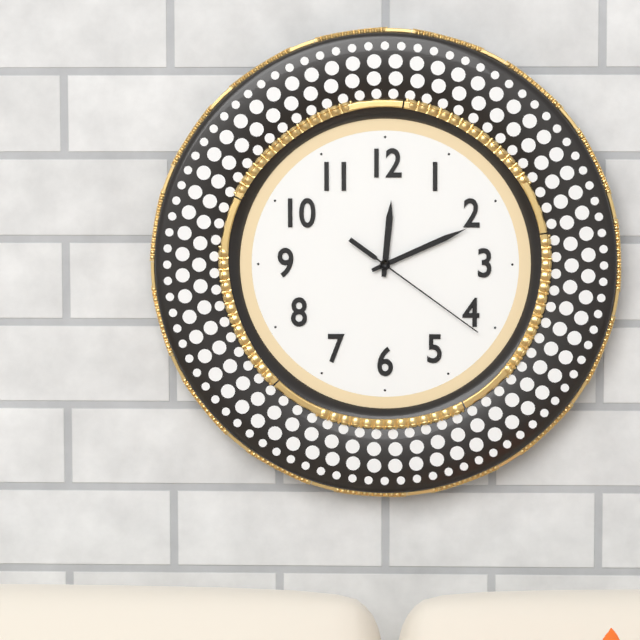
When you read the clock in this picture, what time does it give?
12:11:21
